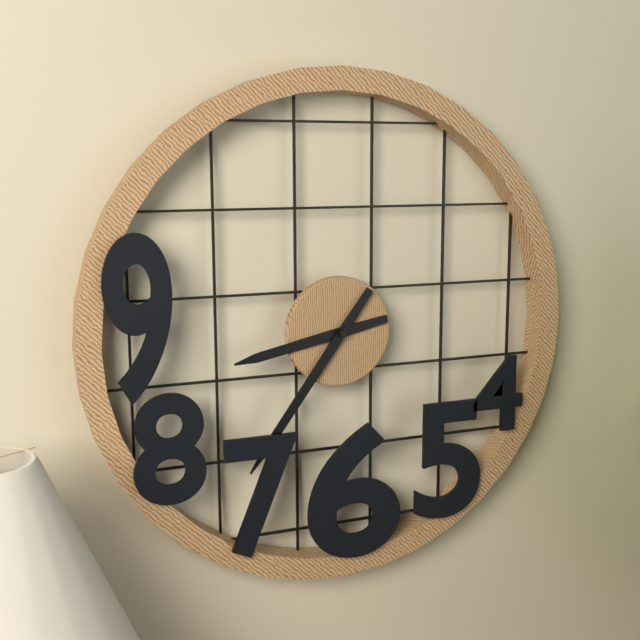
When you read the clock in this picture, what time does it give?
8:36
